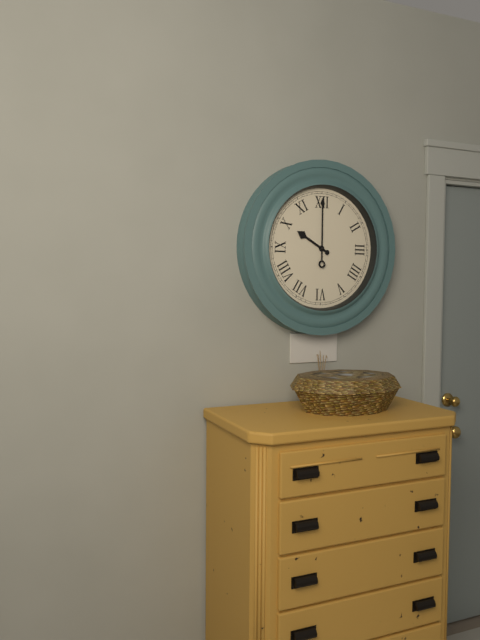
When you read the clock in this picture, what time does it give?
10:00
